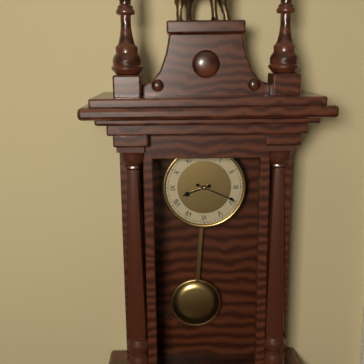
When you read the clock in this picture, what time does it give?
8:19
